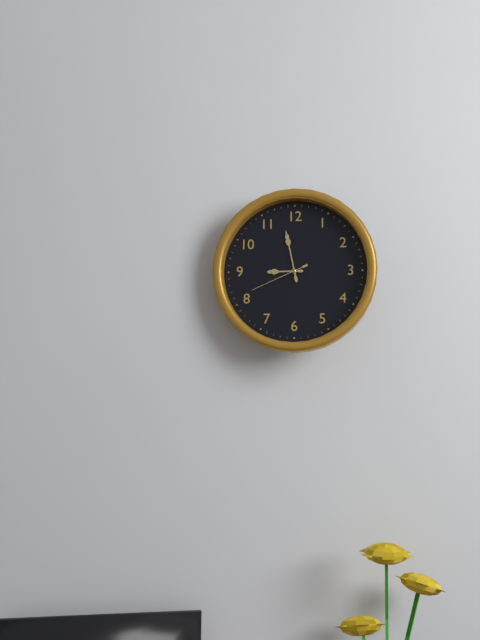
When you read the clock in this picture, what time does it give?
8:58:41
